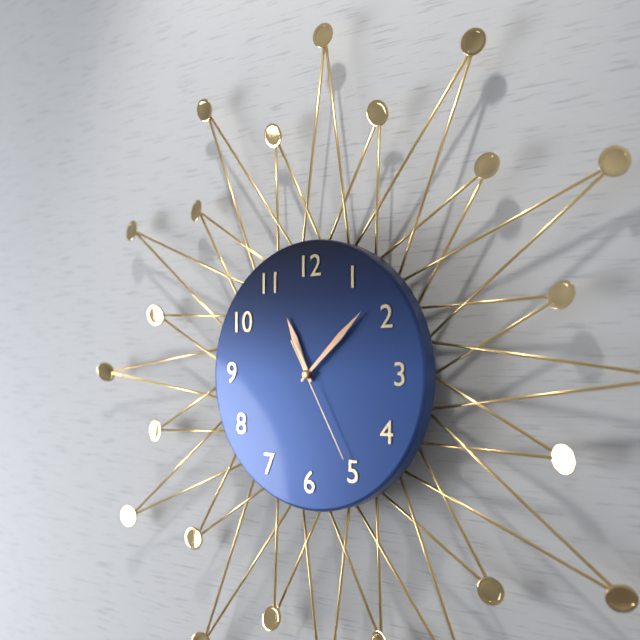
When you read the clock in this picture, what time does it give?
11:08:25
